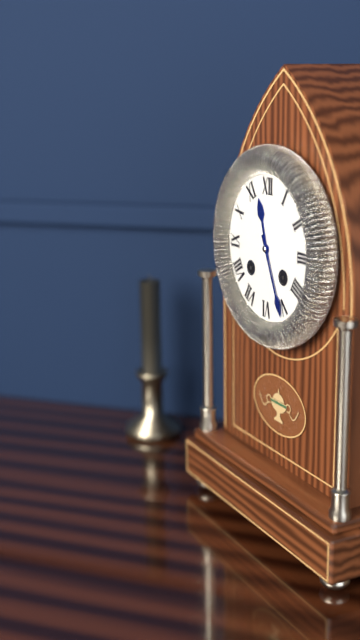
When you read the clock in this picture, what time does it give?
11:26
